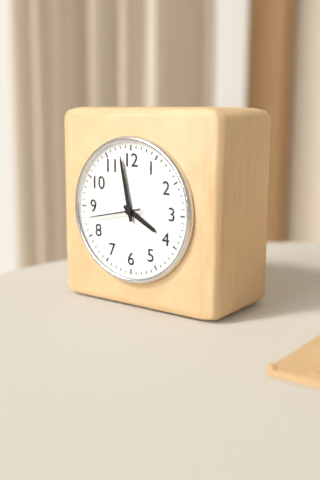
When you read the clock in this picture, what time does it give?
3:58:43
